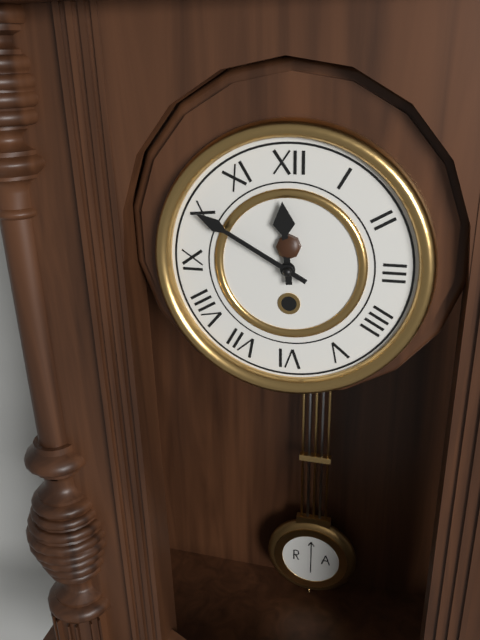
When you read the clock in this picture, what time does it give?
11:50
